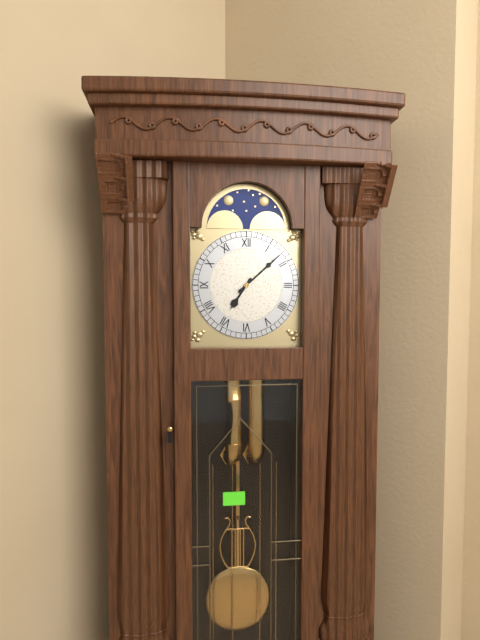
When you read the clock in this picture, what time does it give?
7:08
